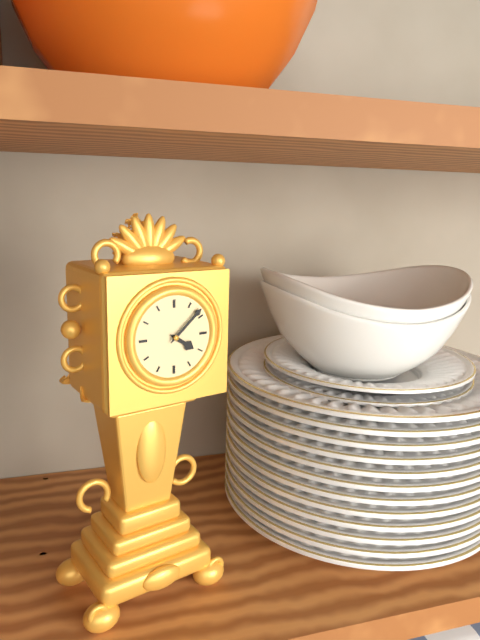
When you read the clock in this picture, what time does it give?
4:08
